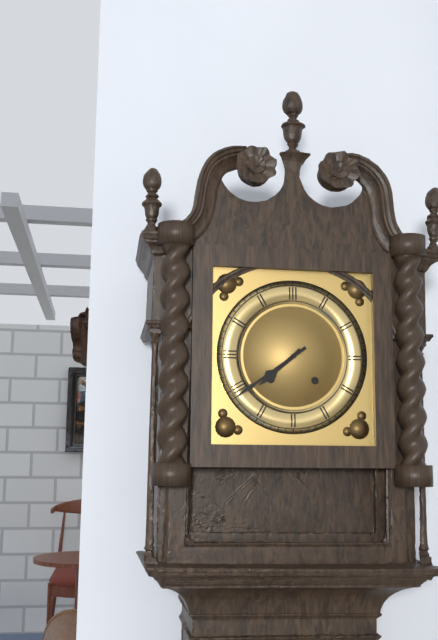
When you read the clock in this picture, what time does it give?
7:39
